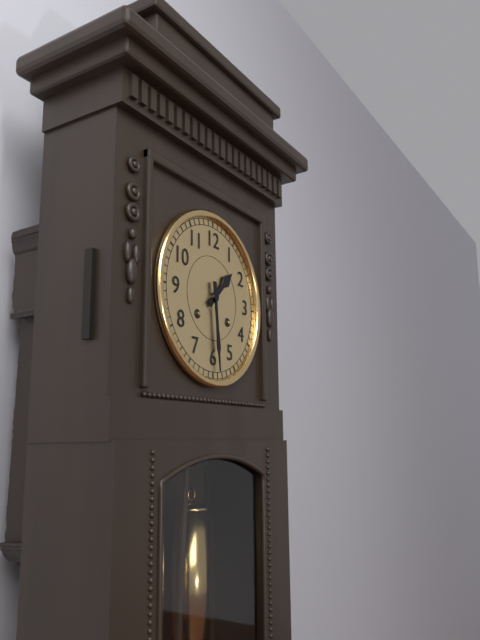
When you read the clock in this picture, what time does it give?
1:29
